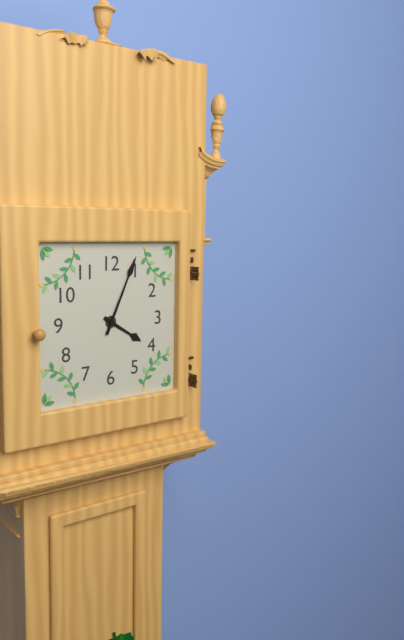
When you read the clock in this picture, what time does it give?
4:04
